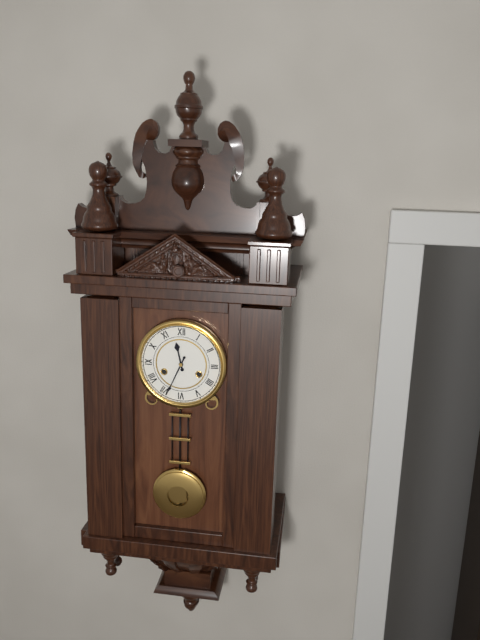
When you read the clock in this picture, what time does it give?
11:34
